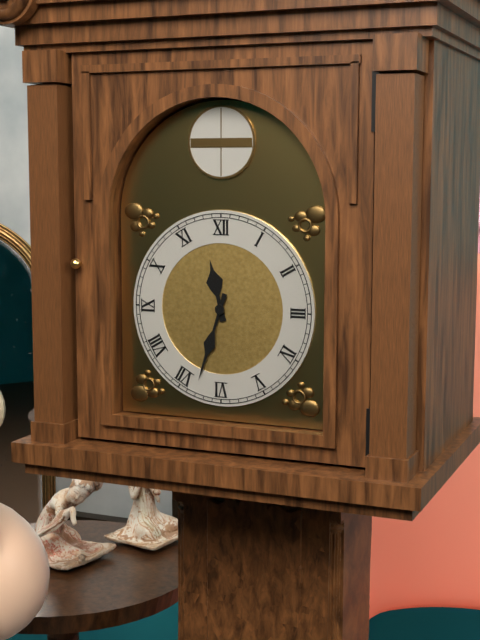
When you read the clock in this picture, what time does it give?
11:33
